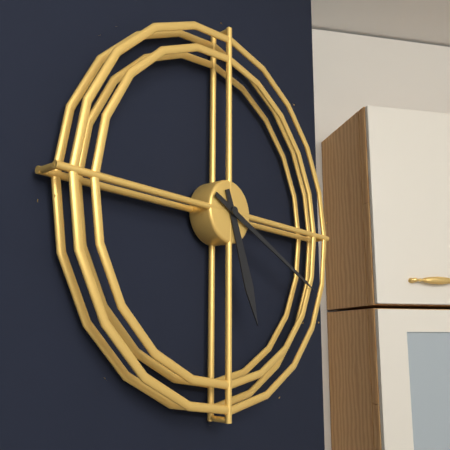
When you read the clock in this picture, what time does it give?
5:19
